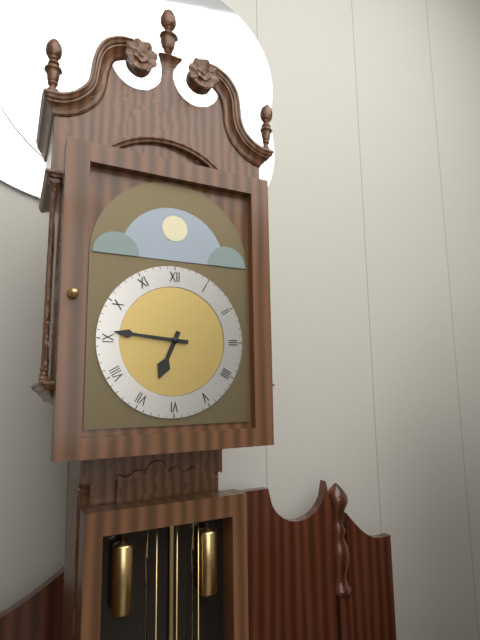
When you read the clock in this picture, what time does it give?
6:46
